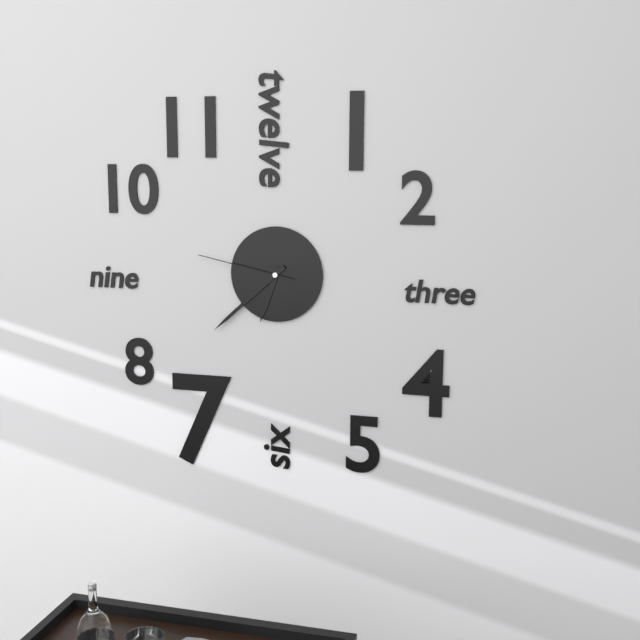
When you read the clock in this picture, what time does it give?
6:38:47
